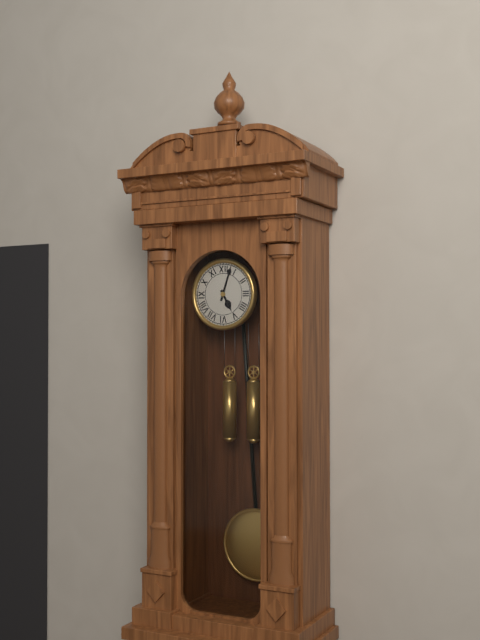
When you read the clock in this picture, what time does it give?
5:03
